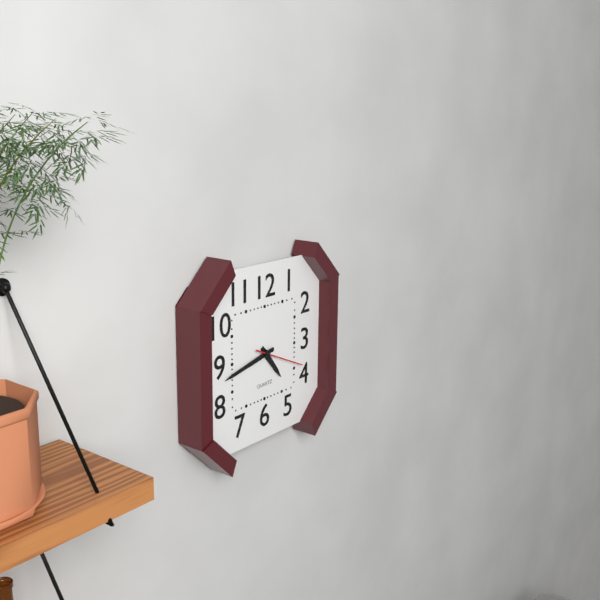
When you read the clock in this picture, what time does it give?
4:43
